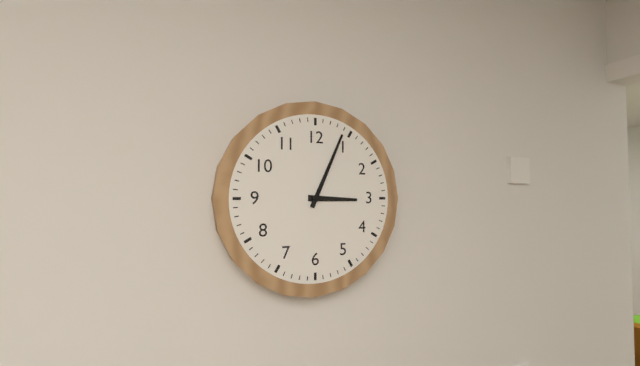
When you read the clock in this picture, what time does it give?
3:04
